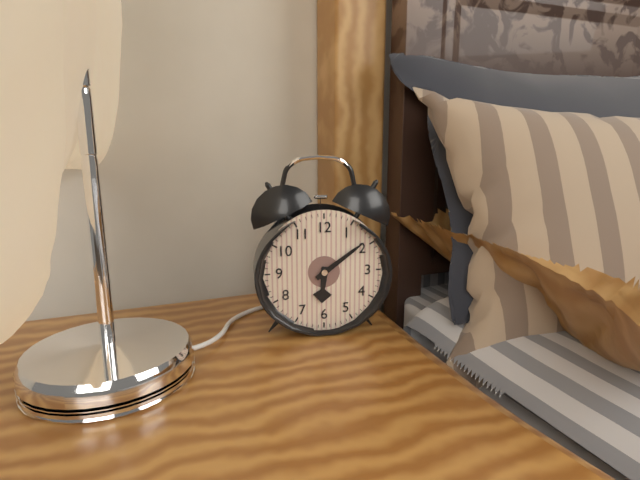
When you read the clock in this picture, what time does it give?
6:09
